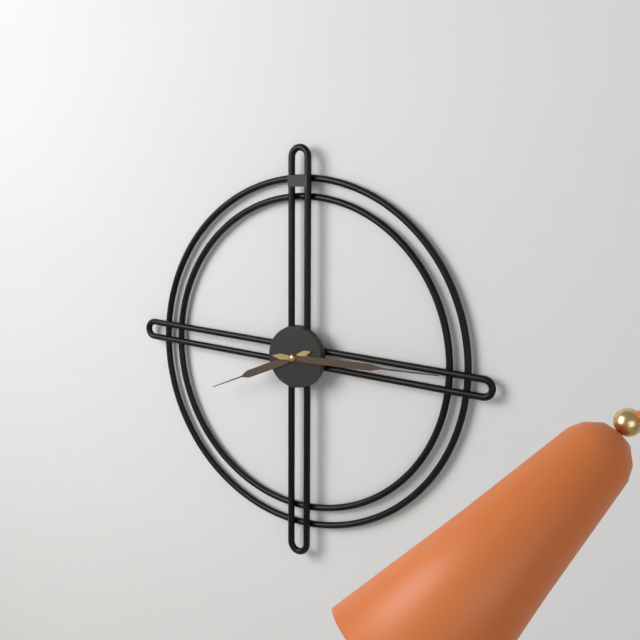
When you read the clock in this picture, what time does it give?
8:15
